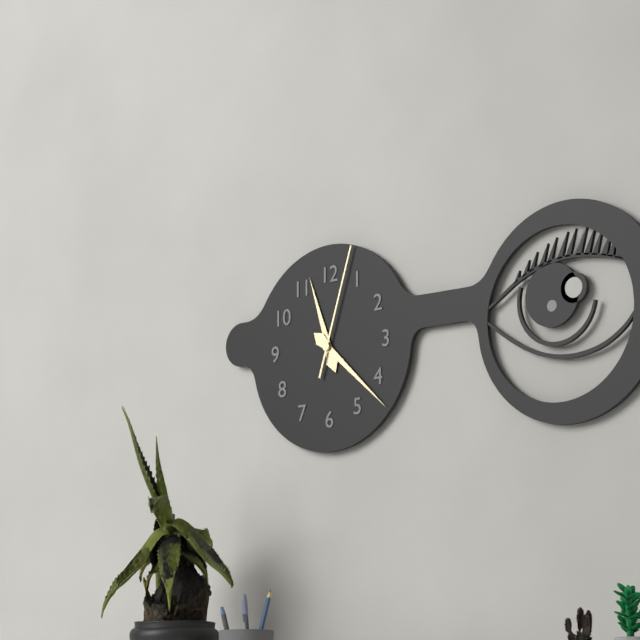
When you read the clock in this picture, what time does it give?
11:22:03
